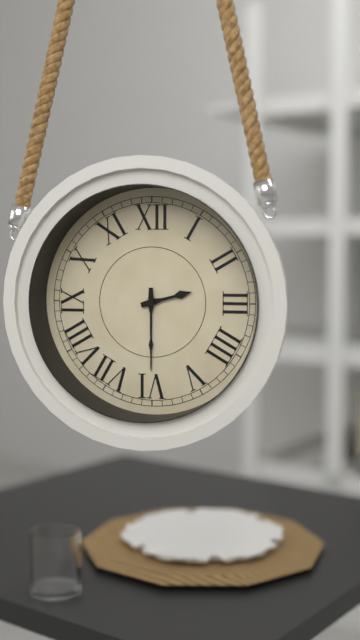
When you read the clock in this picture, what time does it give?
2:30
